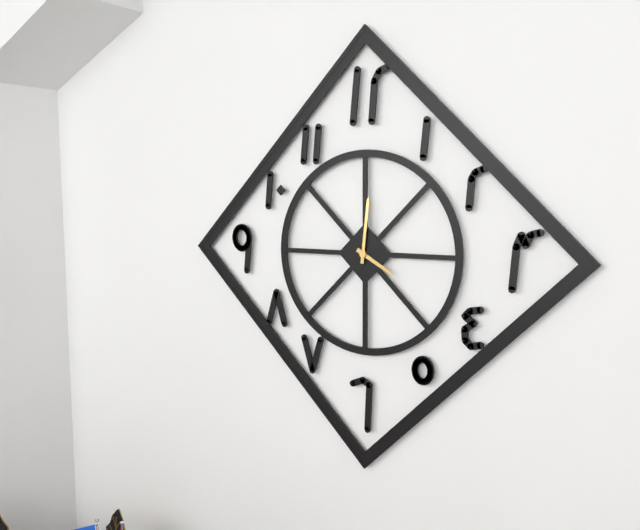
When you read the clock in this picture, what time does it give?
4:01
